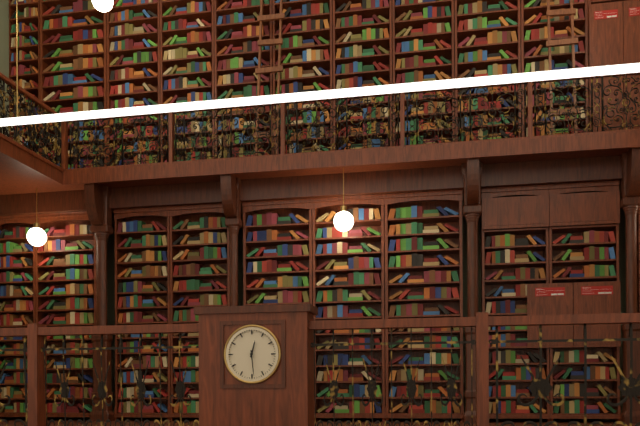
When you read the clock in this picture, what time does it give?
12:29
